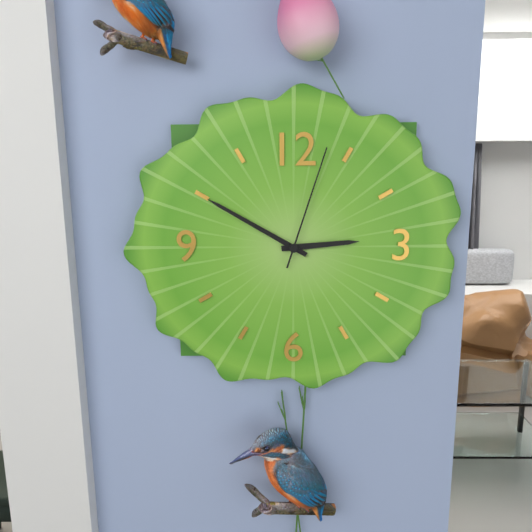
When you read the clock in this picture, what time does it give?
2:50:03
